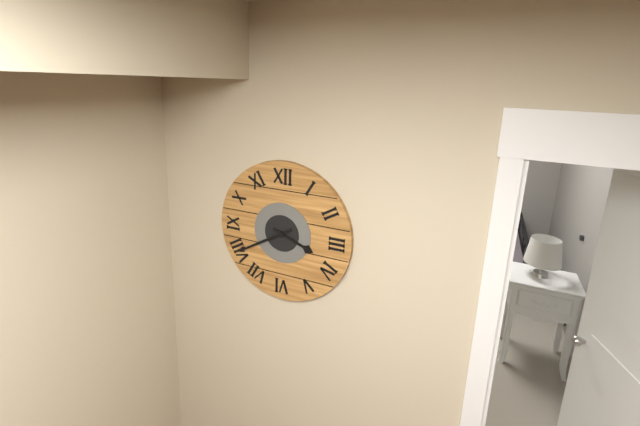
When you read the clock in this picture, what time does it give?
3:40
